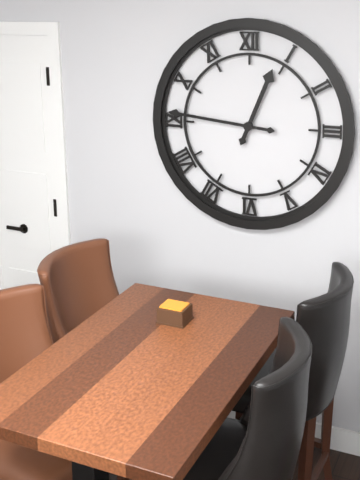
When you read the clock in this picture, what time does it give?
12:46
